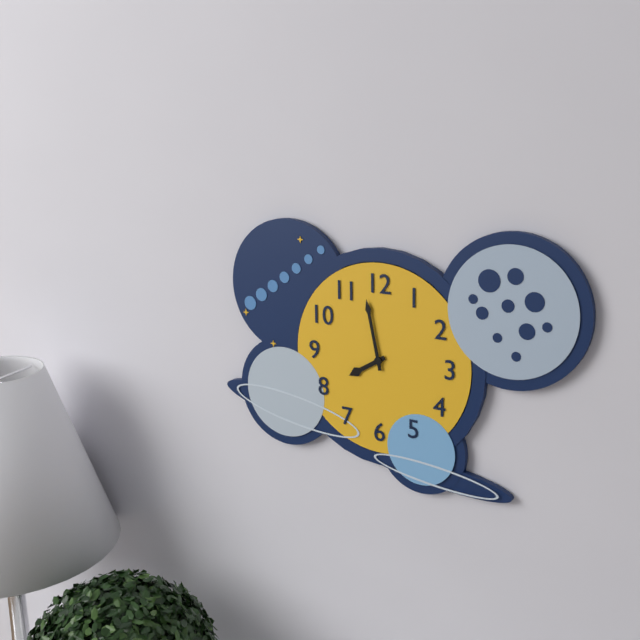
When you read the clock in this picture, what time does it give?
7:58
